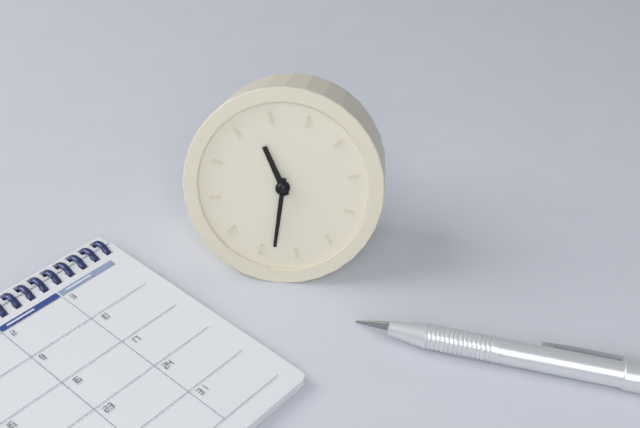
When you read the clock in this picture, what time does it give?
11:33
